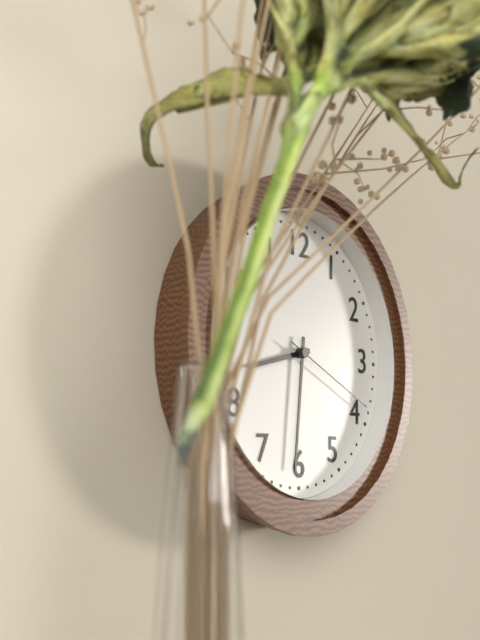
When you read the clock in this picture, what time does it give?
8:31:19
